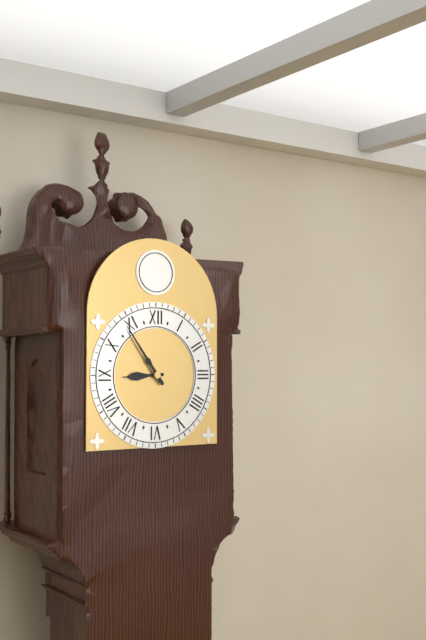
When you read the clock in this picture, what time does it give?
8:54
